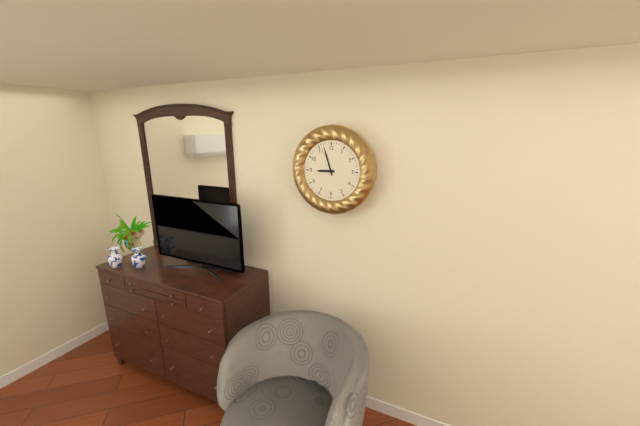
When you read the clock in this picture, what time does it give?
8:57
